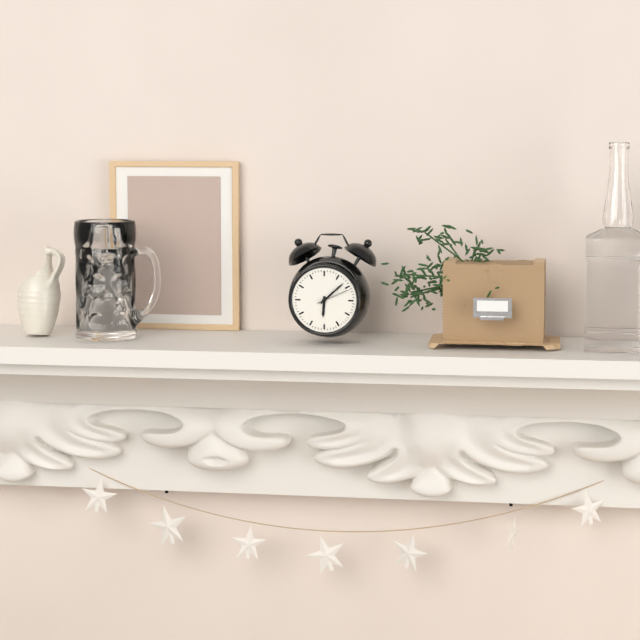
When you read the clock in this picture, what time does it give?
6:08
